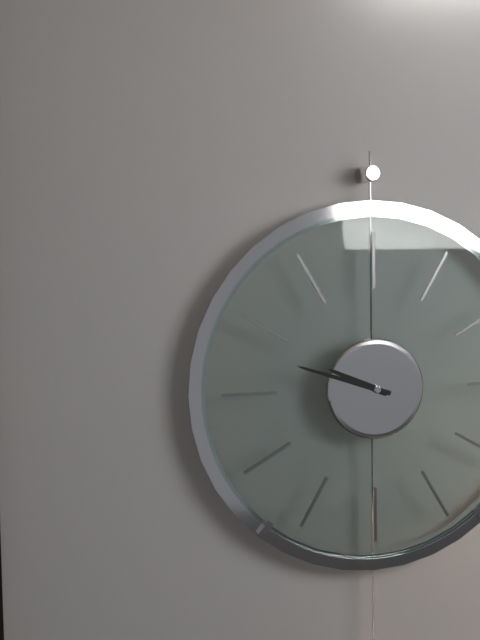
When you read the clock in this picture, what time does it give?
9:48
